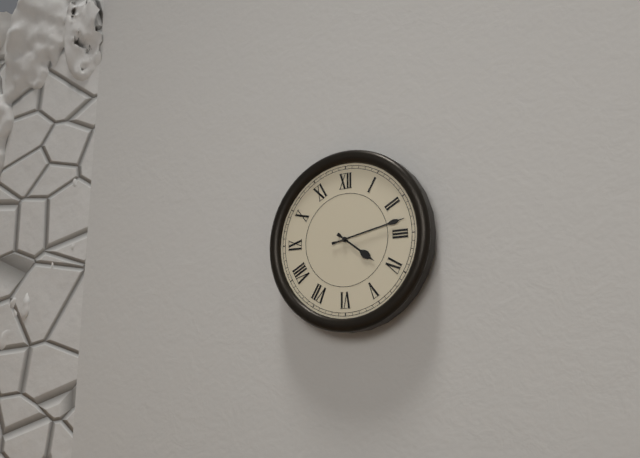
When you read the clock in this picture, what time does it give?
4:13
